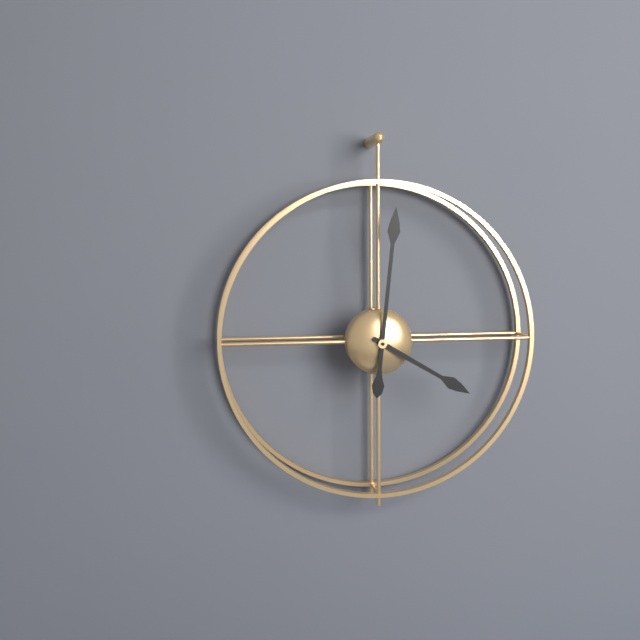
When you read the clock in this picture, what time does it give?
4:01
